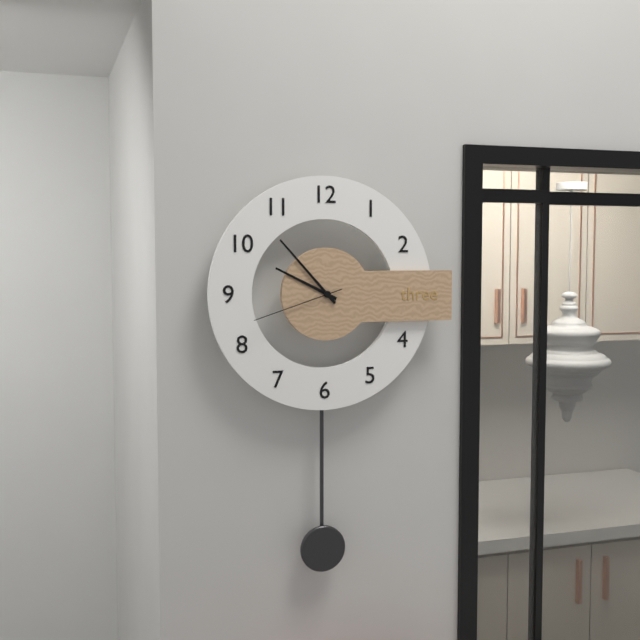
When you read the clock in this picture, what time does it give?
9:53:42
